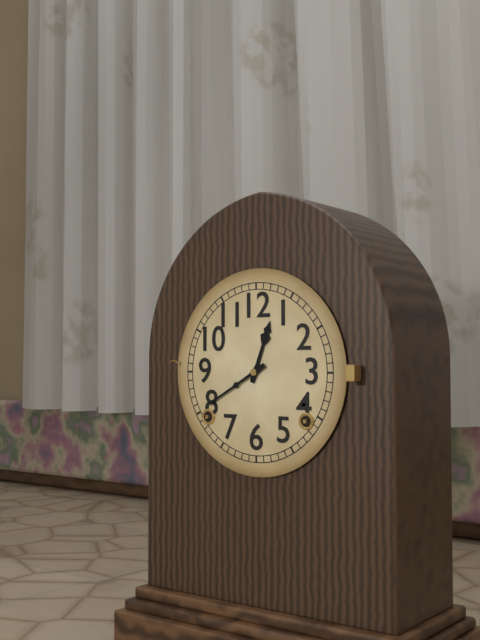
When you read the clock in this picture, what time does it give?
12:40
